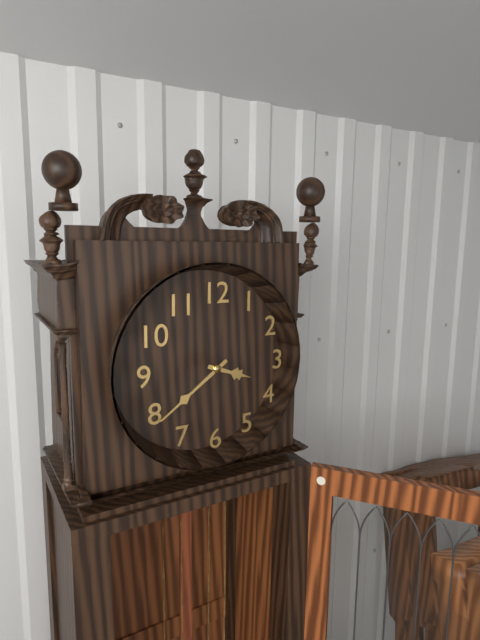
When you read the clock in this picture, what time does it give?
3:39
